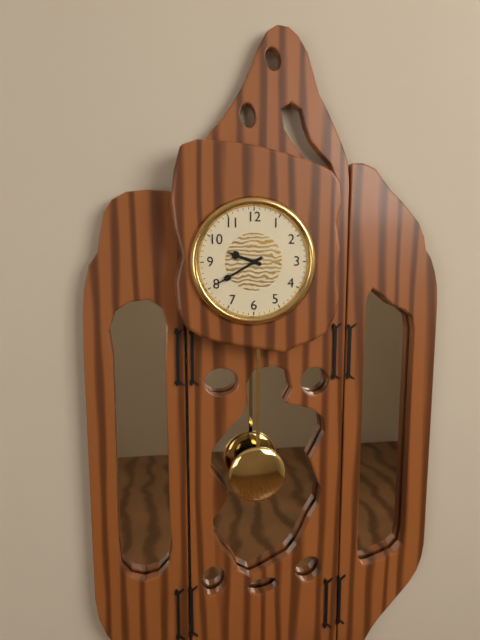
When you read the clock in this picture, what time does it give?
9:40
